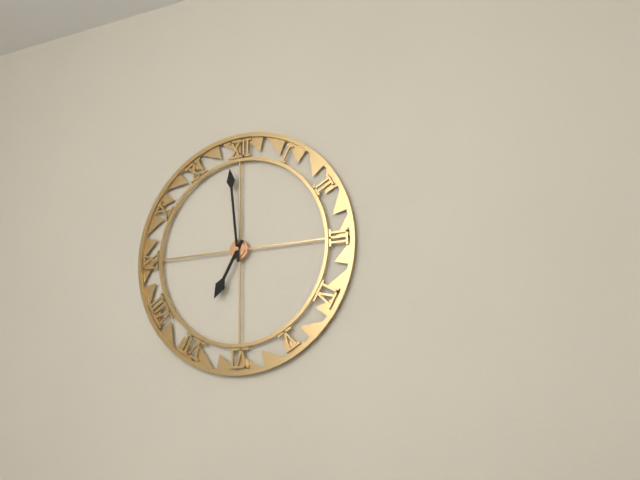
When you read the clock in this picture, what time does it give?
6:59
